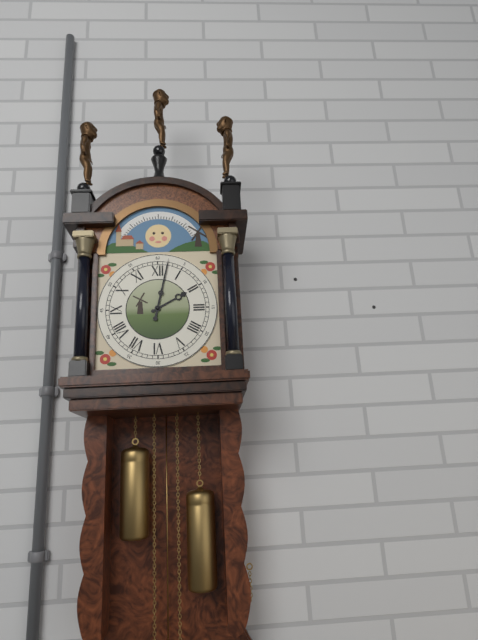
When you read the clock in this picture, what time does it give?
2:02
